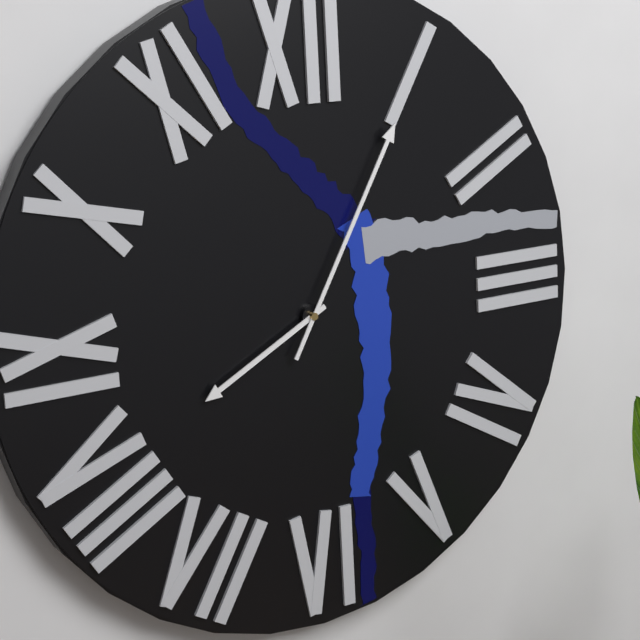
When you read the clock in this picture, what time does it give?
8:05
